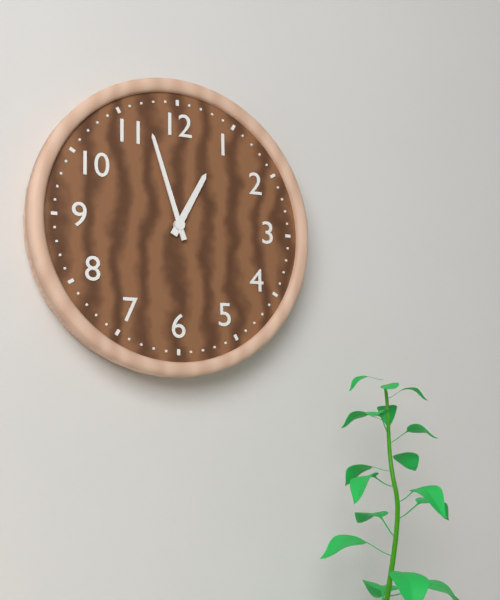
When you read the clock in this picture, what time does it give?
12:57
